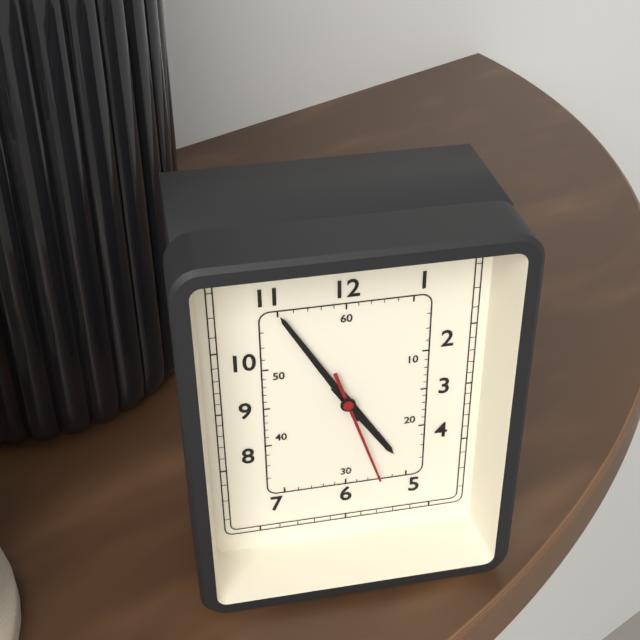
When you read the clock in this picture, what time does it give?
4:55:27
